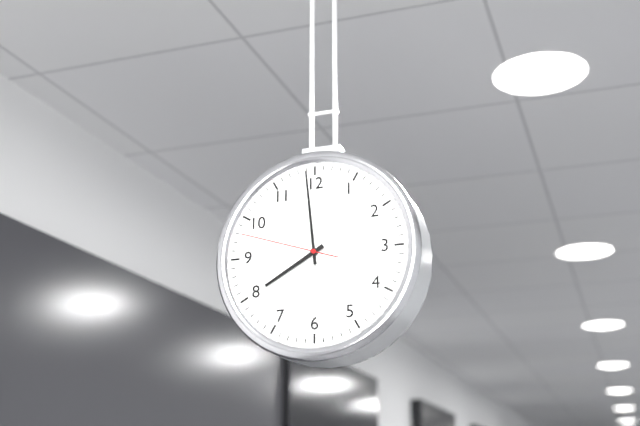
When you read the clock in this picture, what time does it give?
7:59:48
